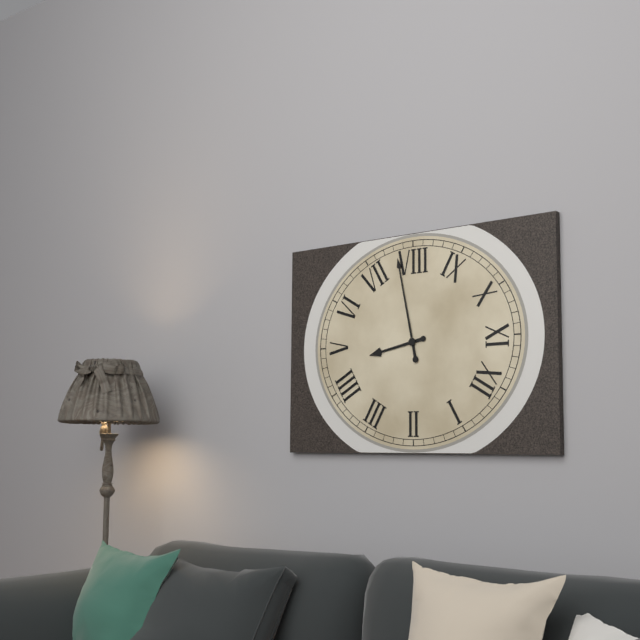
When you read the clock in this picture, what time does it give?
4:38
